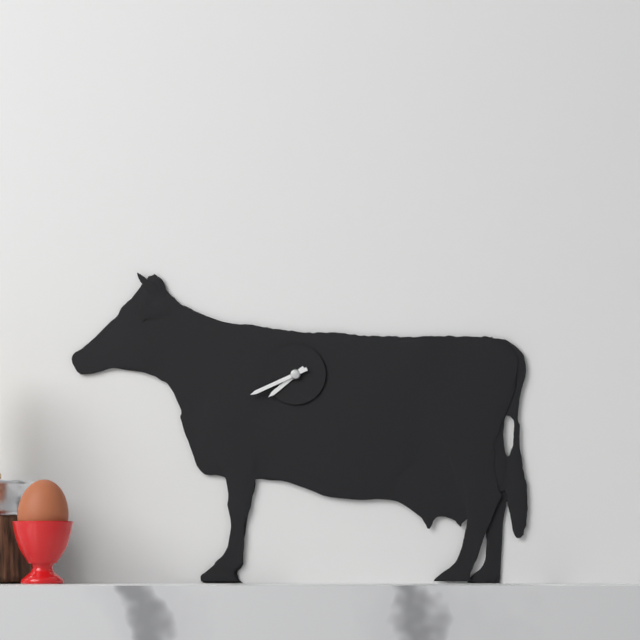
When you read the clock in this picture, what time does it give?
7:41
